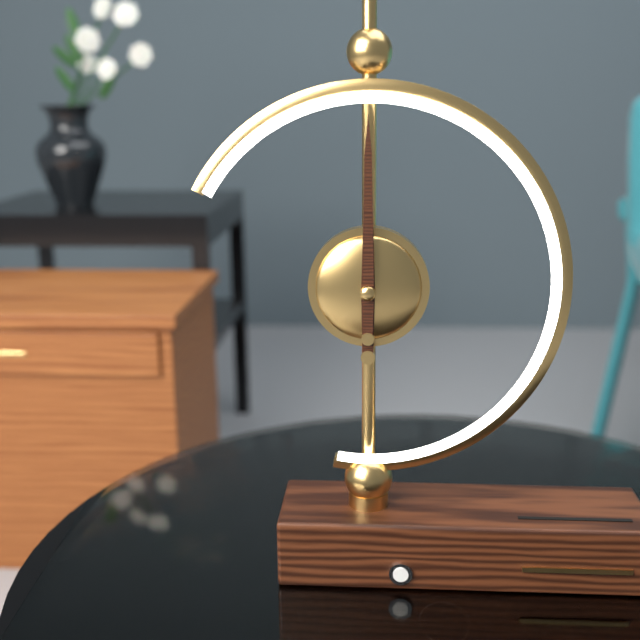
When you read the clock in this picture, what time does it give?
12:00
